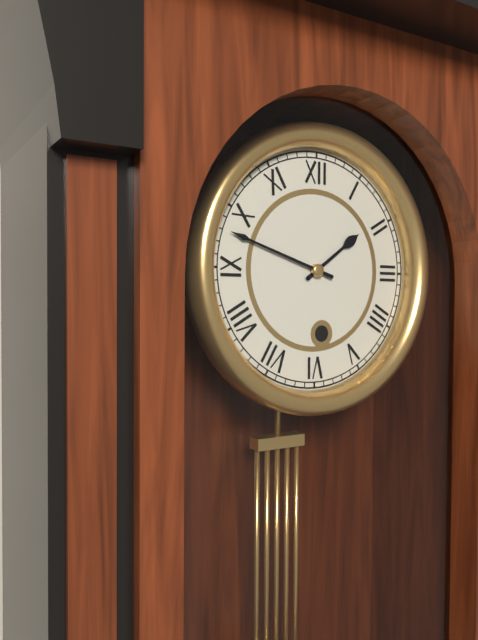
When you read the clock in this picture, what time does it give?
1:48
